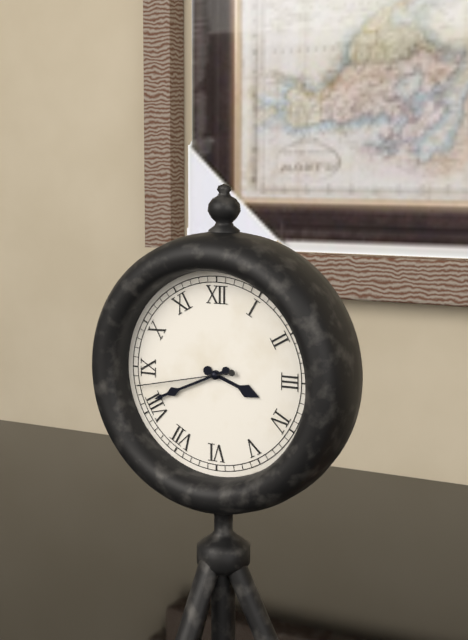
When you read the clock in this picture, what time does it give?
3:41:43
